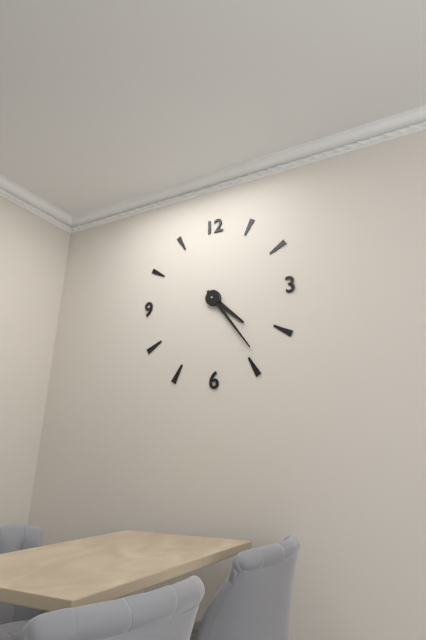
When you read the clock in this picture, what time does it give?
4:24
